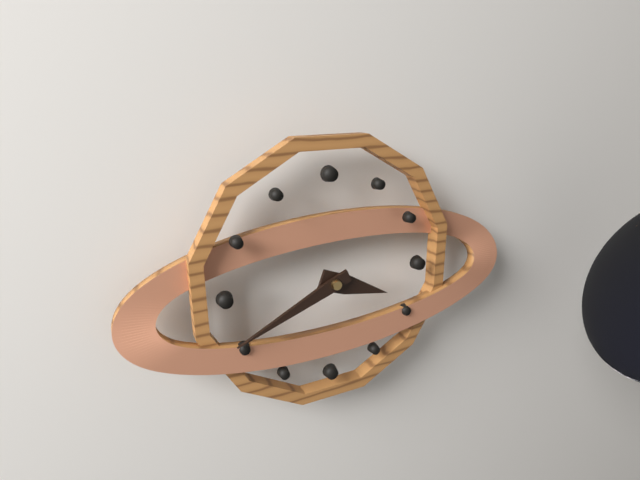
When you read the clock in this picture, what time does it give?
3:41
